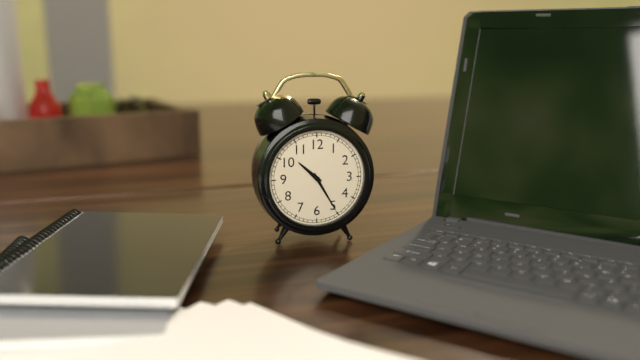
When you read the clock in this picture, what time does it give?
10:25
